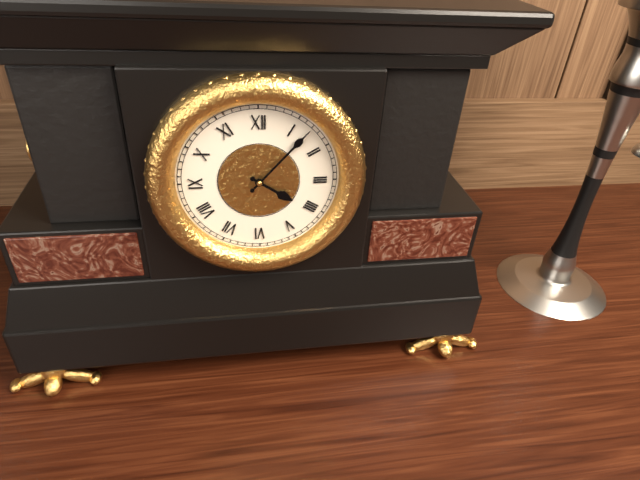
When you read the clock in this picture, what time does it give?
4:07
